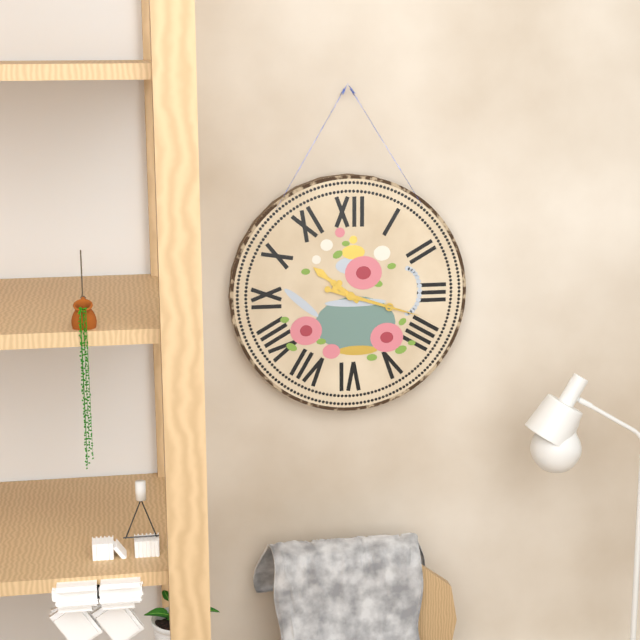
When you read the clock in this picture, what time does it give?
10:18
